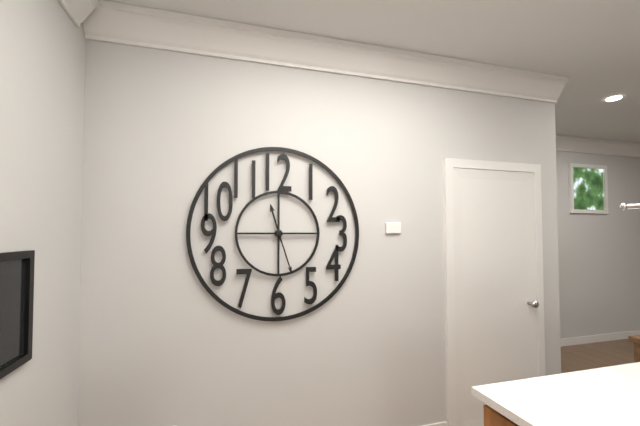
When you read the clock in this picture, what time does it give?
11:27
